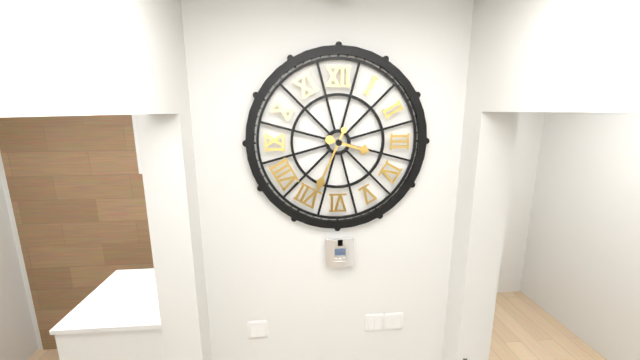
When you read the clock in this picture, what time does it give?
3:34
